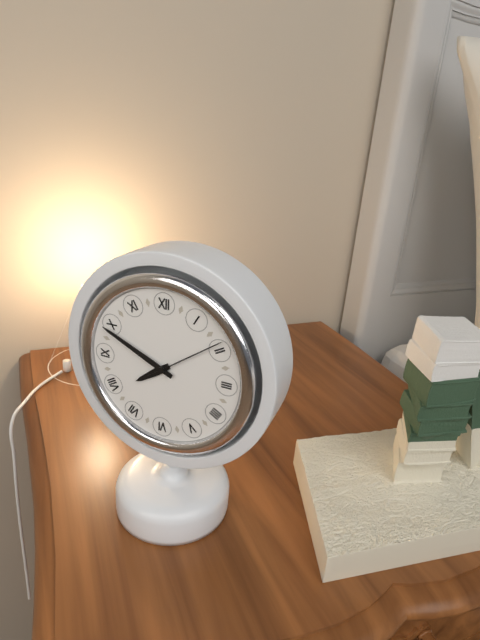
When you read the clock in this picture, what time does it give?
7:49:09
